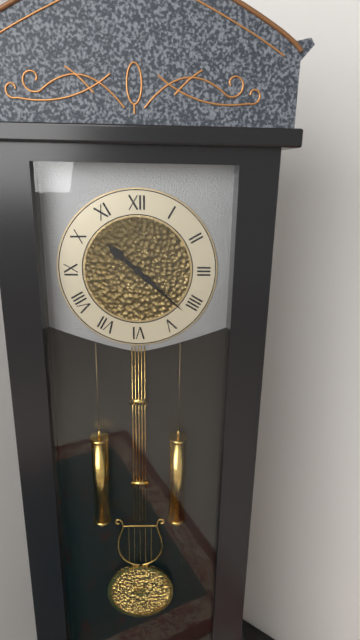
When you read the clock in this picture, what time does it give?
10:22
